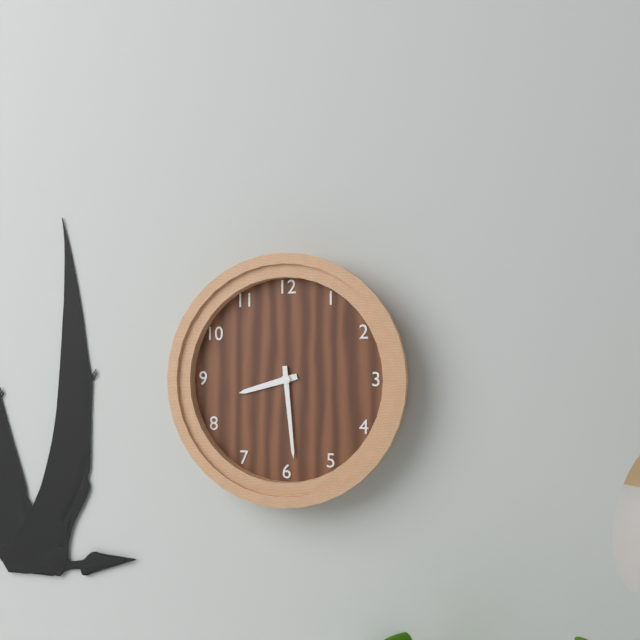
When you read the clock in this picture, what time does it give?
8:29
